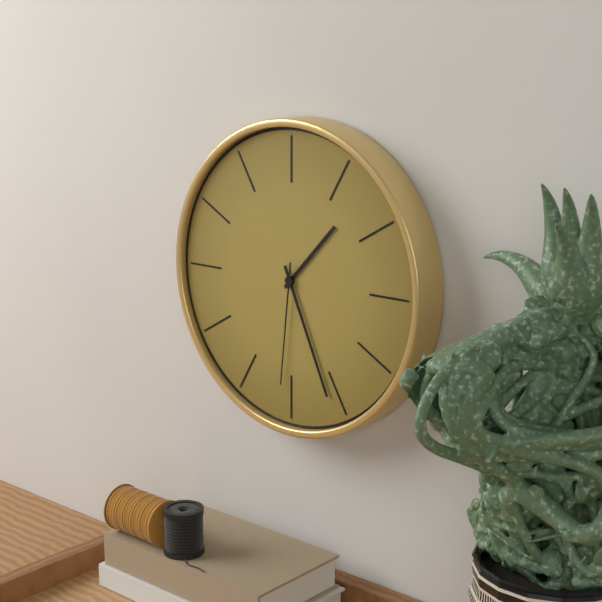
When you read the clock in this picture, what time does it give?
1:26:31
